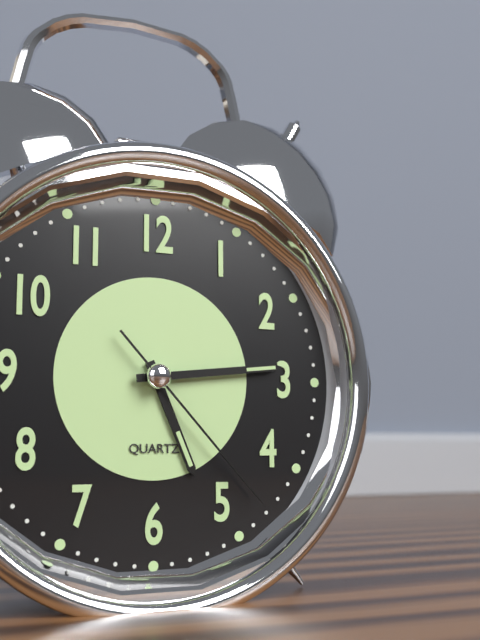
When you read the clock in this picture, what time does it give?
5:14:23
